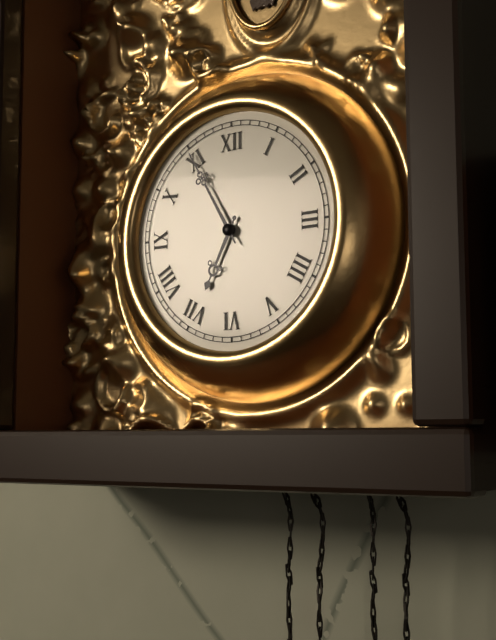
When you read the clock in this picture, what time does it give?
6:55
